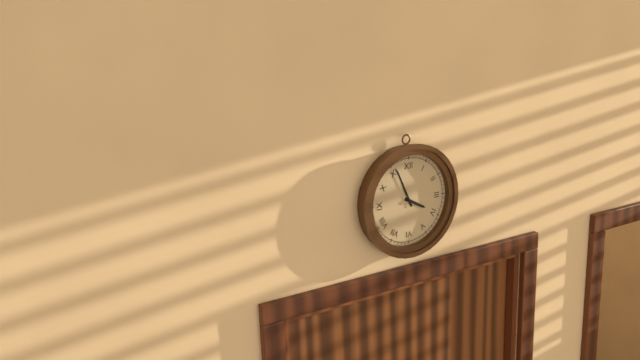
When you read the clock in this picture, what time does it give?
3:56
